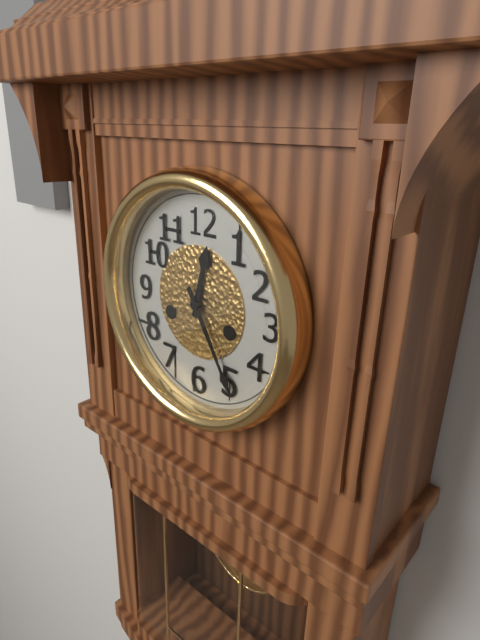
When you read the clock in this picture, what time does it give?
12:25
